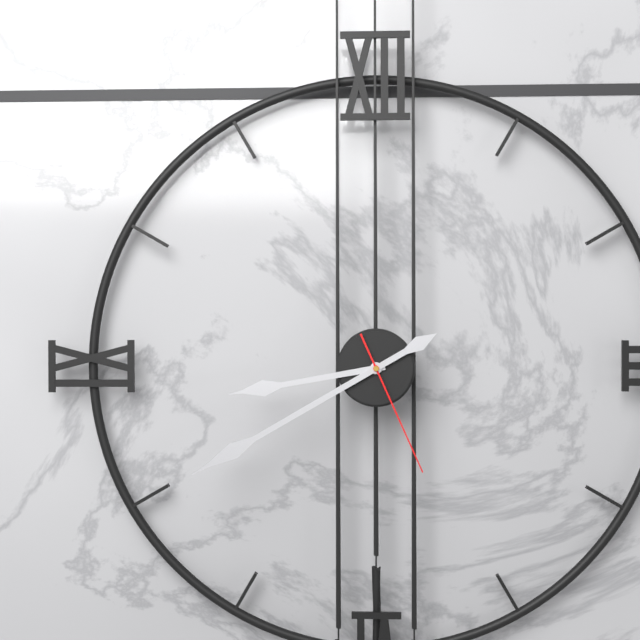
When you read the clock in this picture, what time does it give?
8:40:26
